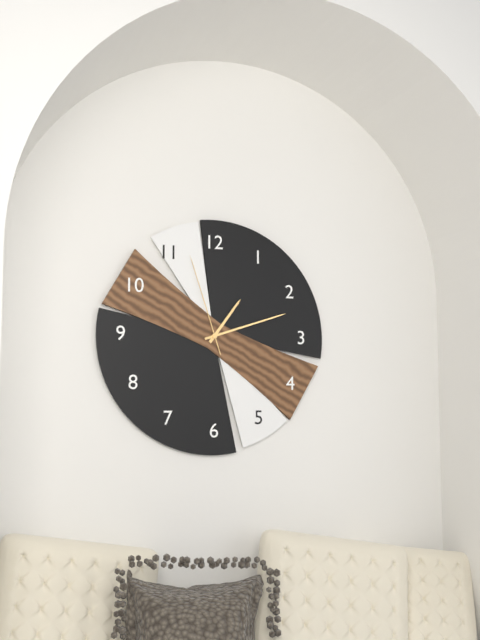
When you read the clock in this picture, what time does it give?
1:12:57
